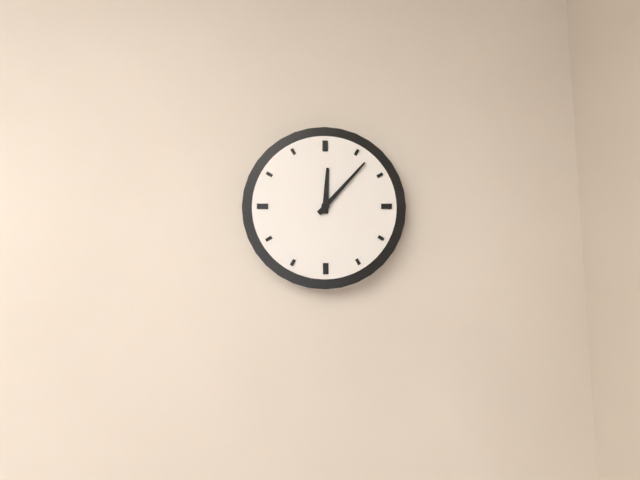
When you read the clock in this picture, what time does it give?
12:07
